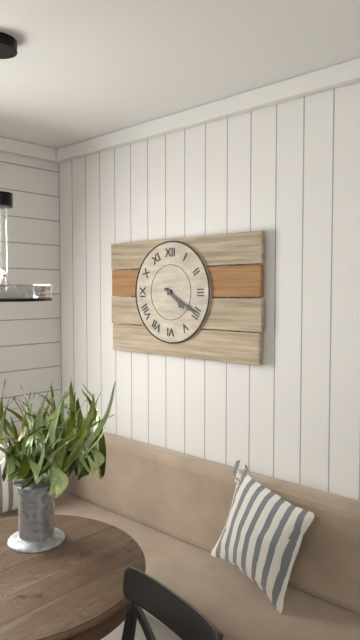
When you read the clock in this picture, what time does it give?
4:20
